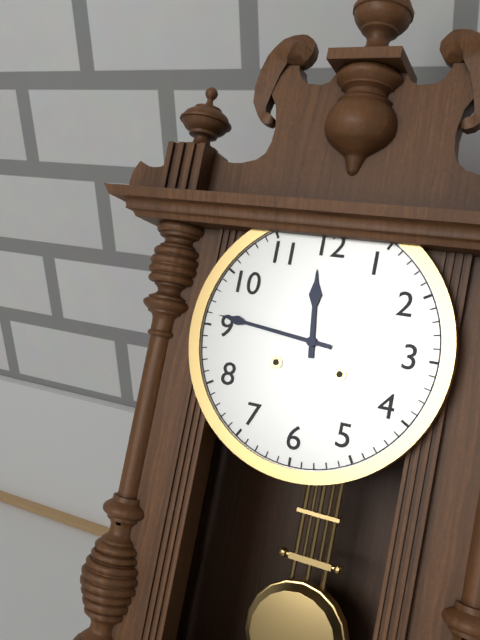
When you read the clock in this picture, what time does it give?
11:46
